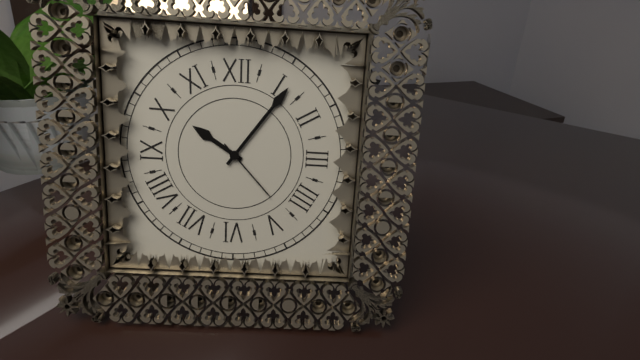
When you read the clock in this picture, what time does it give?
10:06:23
